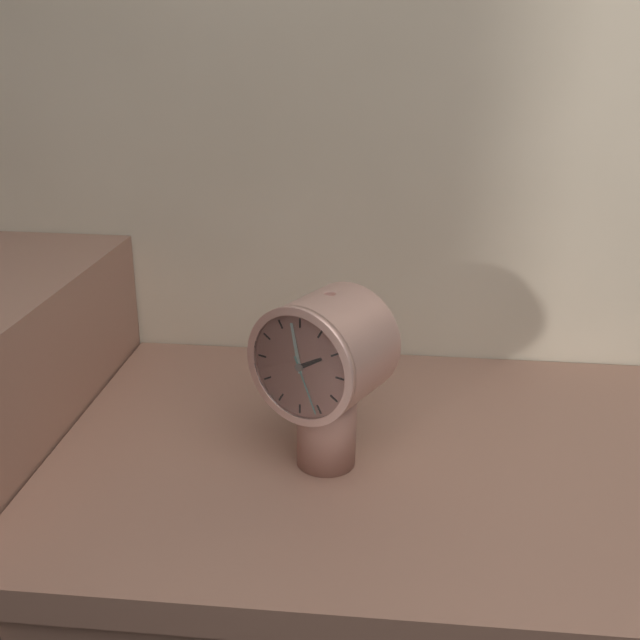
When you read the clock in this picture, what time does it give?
1:58:26
